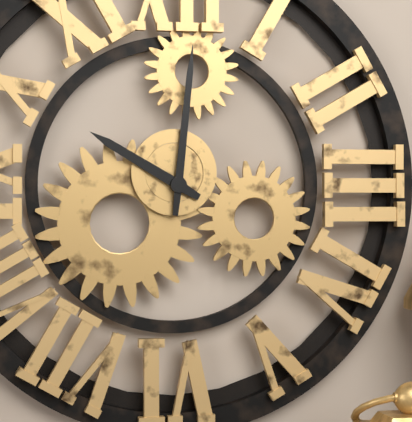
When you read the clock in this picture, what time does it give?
10:01
